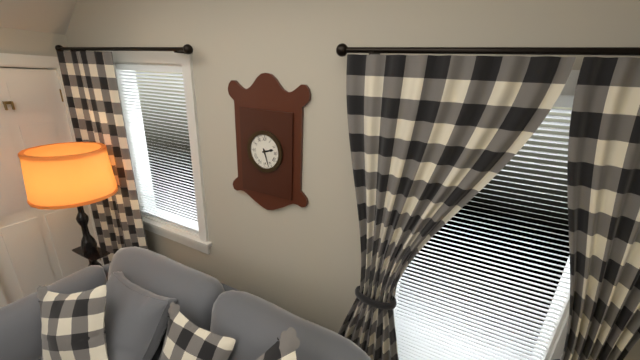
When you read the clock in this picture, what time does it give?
2:27
